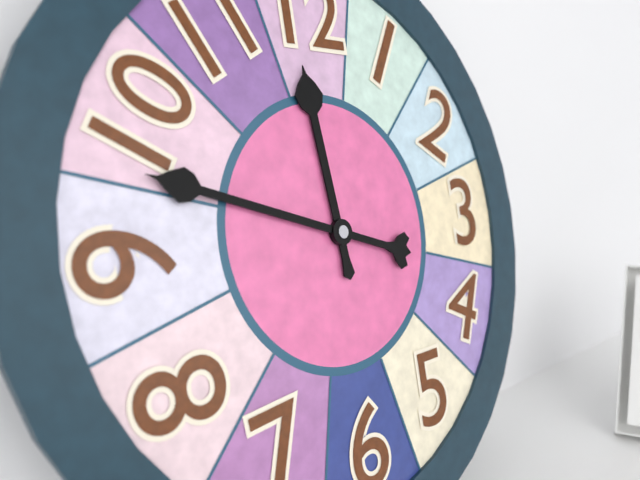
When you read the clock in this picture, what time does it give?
11:48
